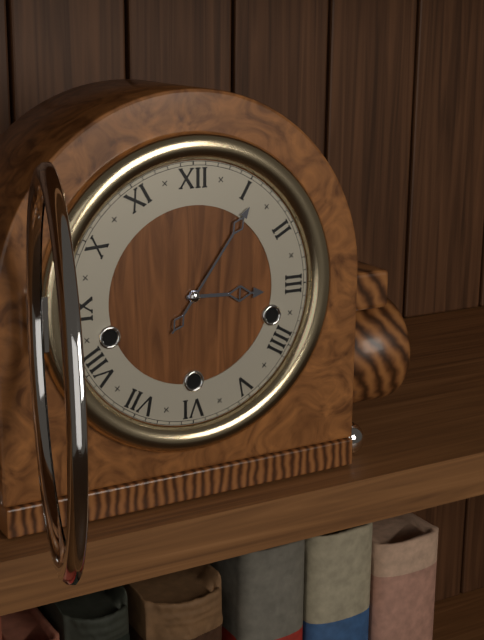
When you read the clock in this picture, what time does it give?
3:06
